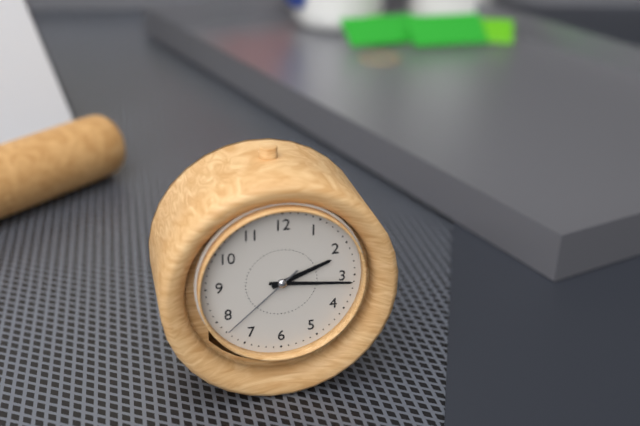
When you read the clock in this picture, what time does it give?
2:16:38
